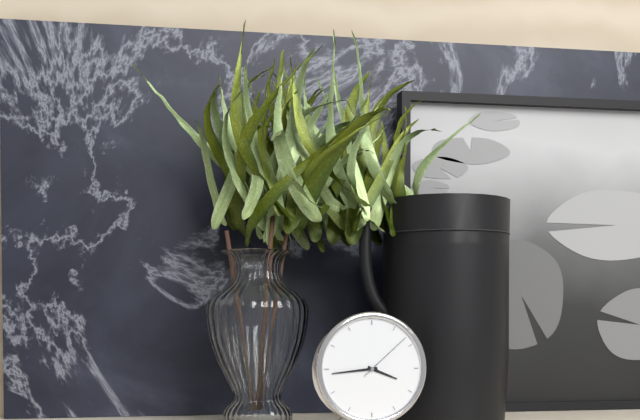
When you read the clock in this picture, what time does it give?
3:44:08
